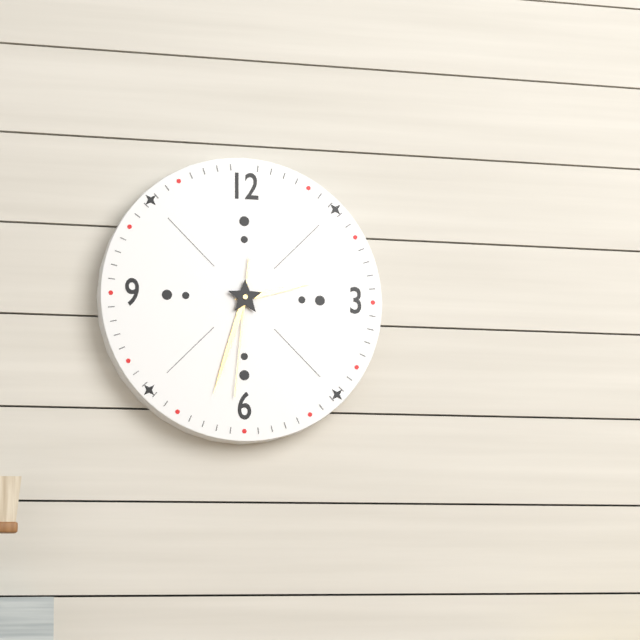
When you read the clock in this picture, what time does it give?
2:33:31
